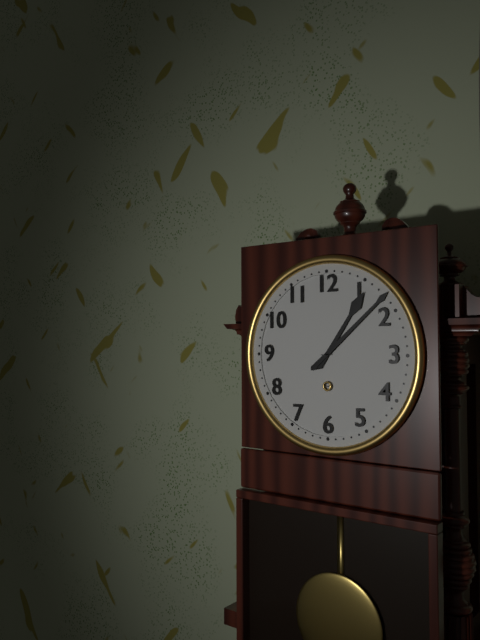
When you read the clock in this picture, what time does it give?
1:08
